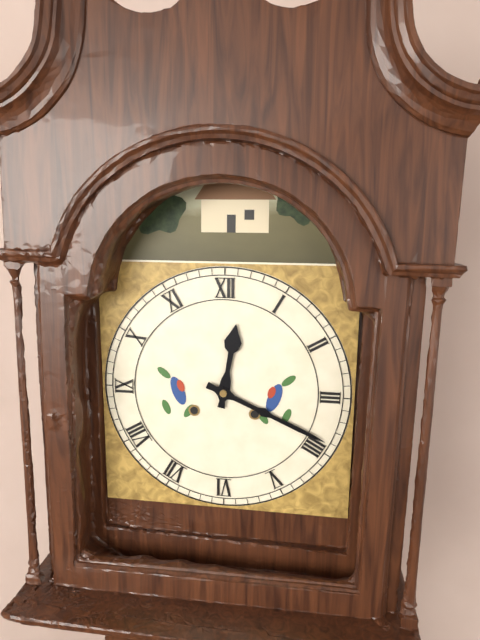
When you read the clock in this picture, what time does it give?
12:19
